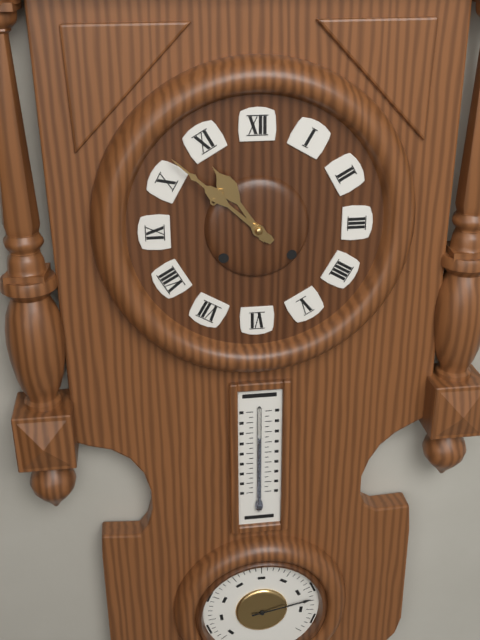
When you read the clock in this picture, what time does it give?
10:52
